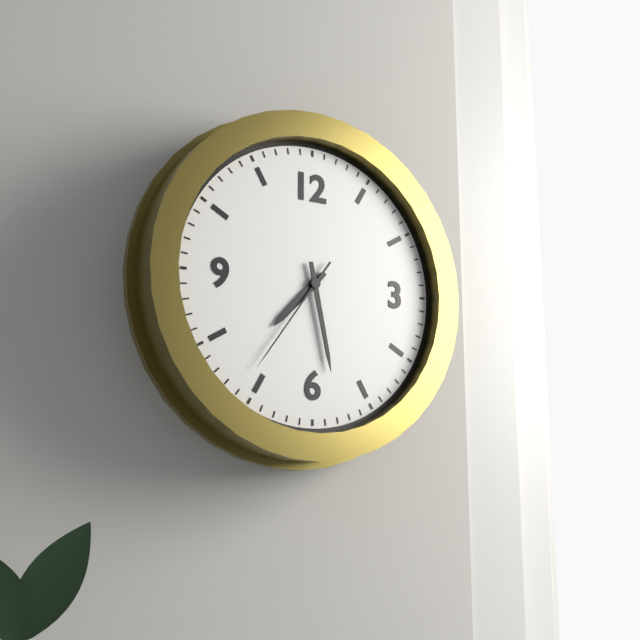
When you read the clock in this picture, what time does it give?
7:28:36
